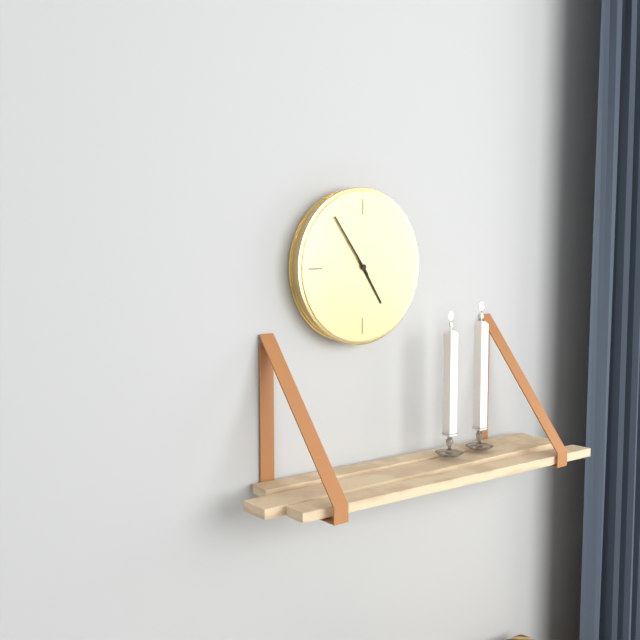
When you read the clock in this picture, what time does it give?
4:54
